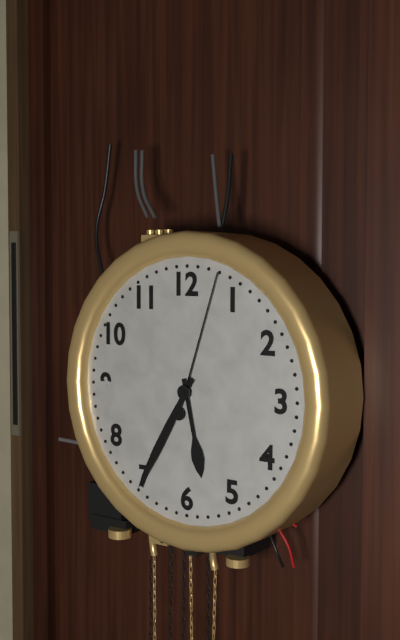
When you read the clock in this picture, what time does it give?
5:35:03
